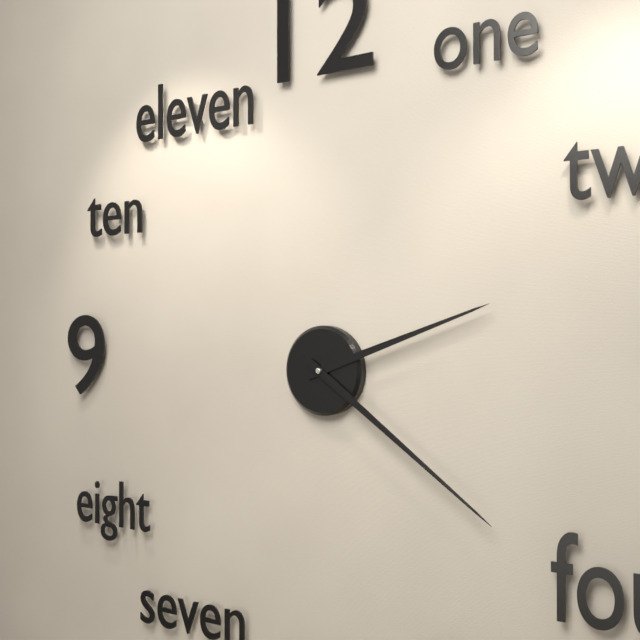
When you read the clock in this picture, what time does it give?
2:21
